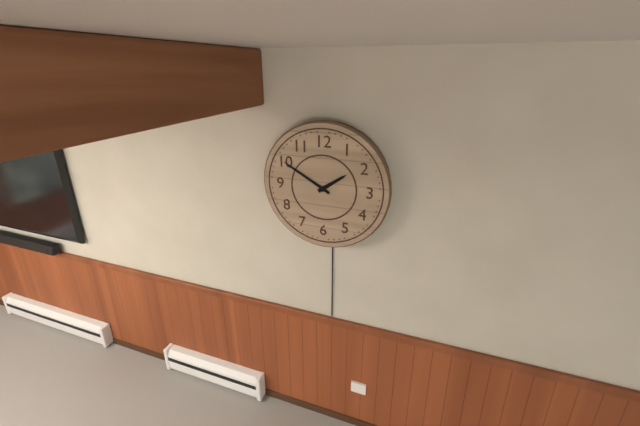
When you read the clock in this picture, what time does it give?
1:50
